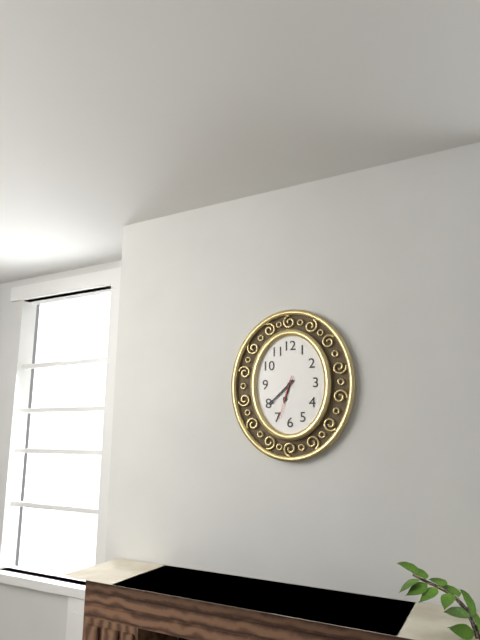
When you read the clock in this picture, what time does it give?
6:38
